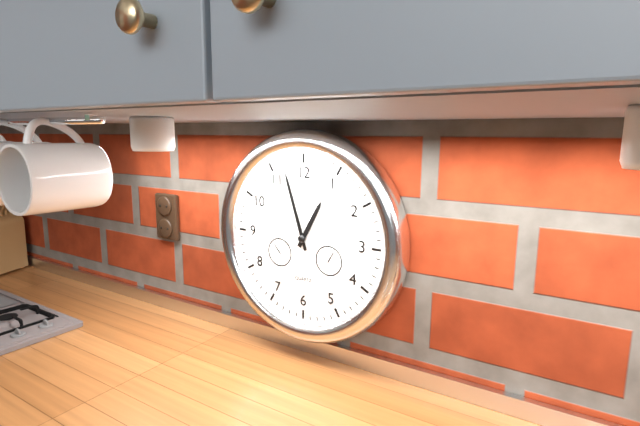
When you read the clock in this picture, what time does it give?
12:57
